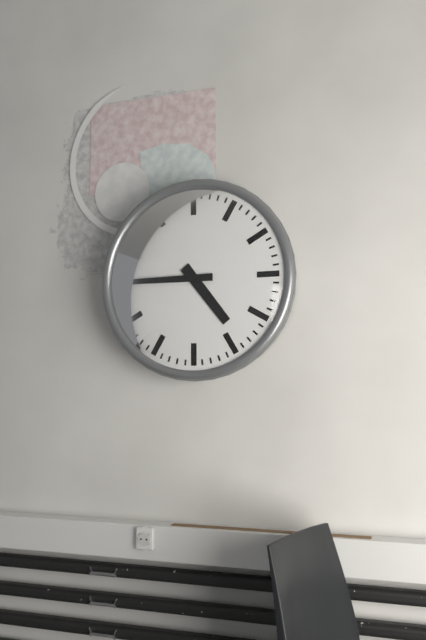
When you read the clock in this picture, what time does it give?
4:45
